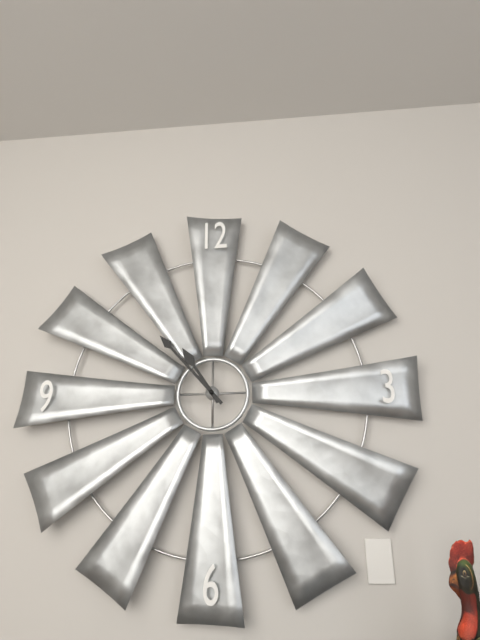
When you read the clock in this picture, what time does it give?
10:53
